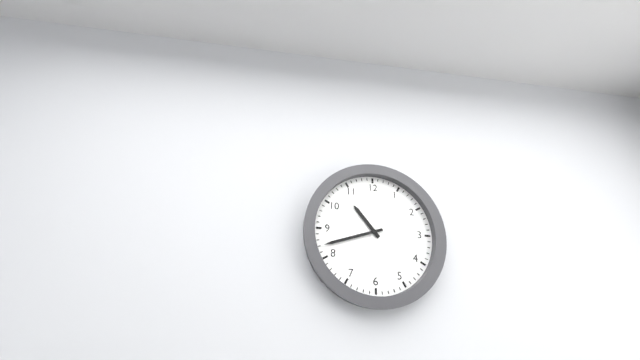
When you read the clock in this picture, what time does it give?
10:42
